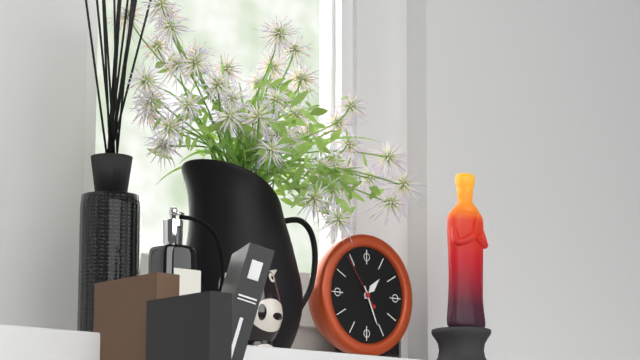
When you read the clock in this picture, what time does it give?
1:26:54
